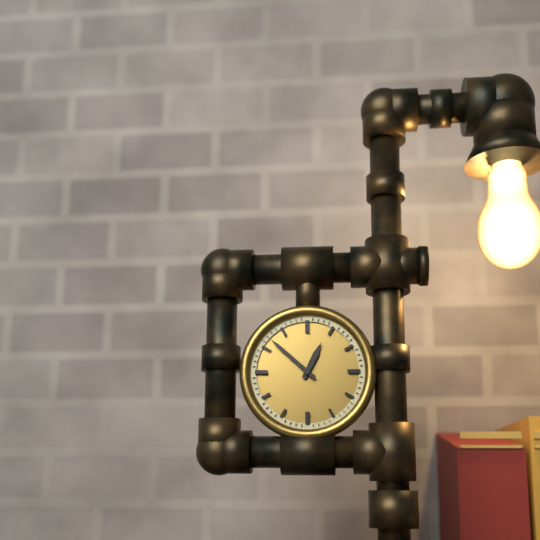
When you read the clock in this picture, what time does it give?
12:52
